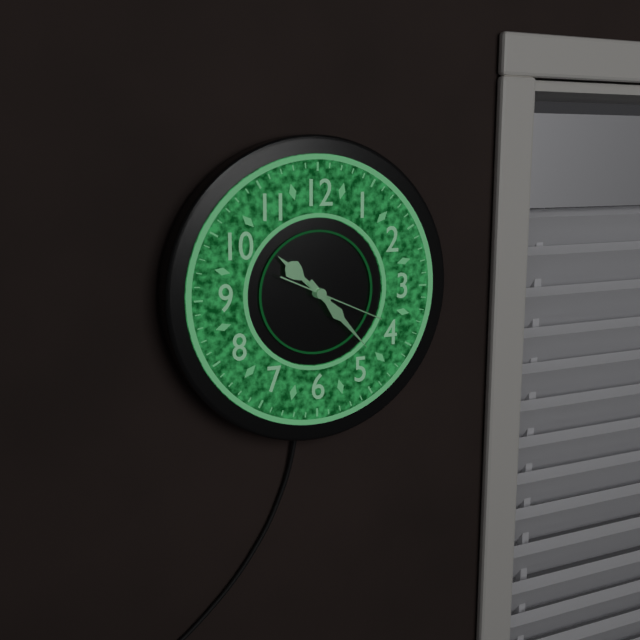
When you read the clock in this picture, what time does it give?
10:23:19
